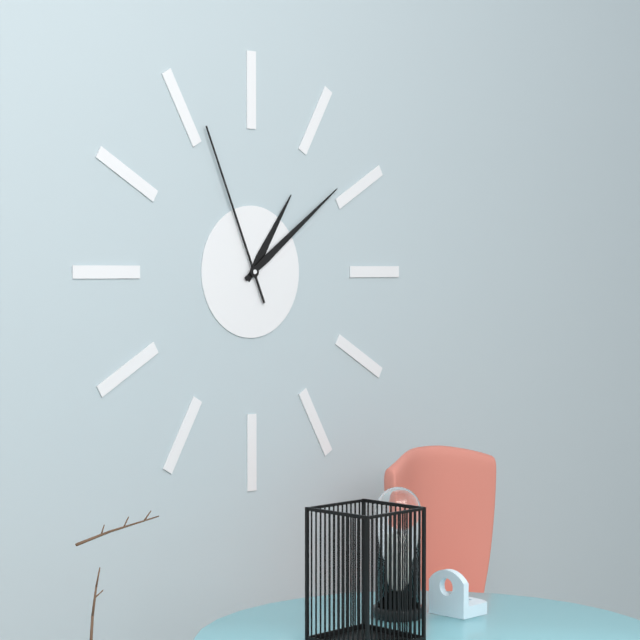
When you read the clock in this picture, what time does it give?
1:09:56
